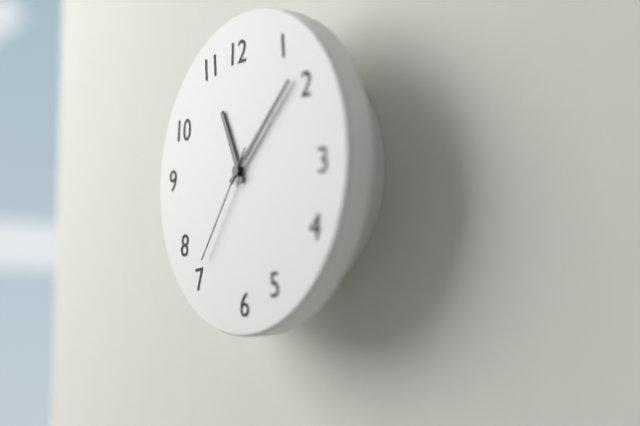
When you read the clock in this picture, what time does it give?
11:08:36
